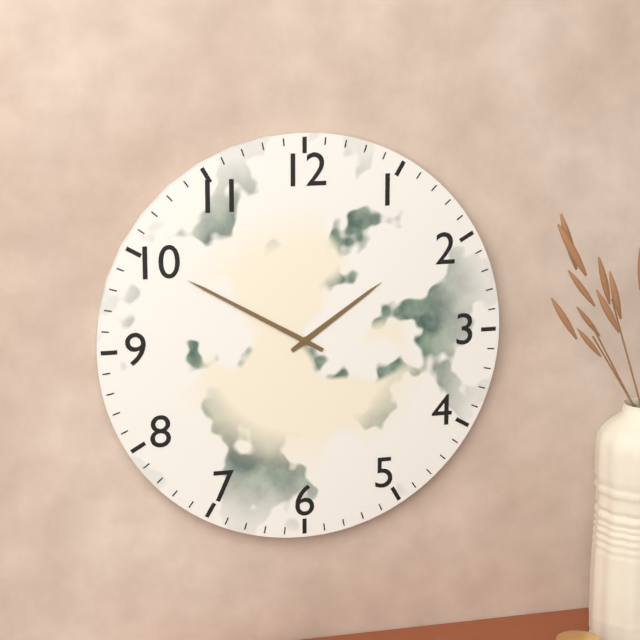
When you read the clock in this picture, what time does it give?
1:50
